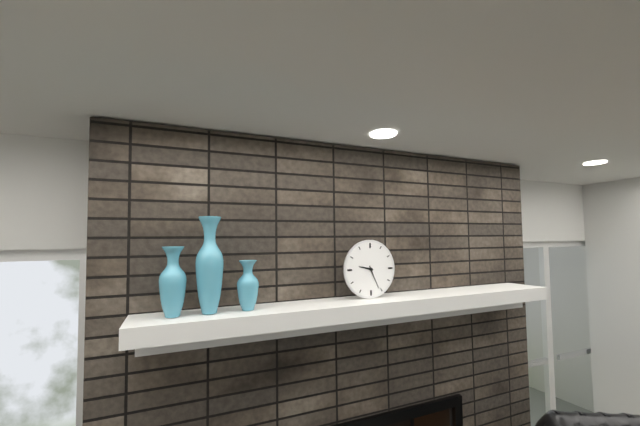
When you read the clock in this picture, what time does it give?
9:26
